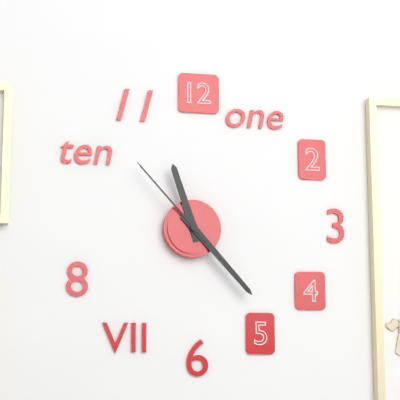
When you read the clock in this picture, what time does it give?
11:23:53
